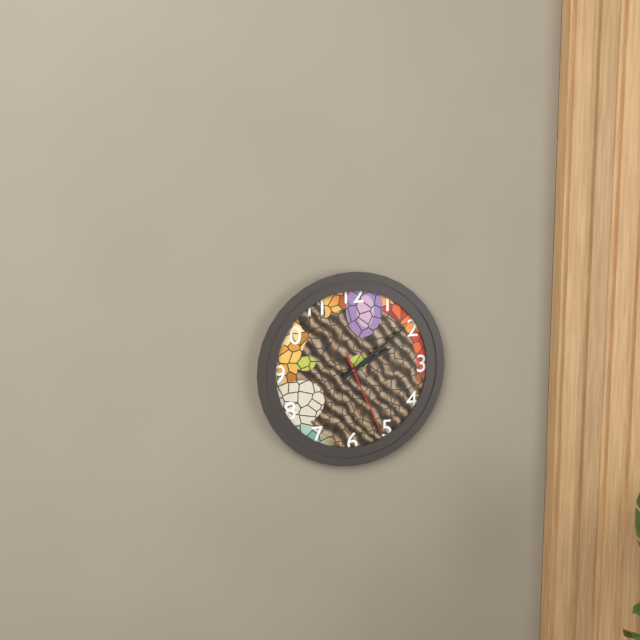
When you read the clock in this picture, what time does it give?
2:09:26
